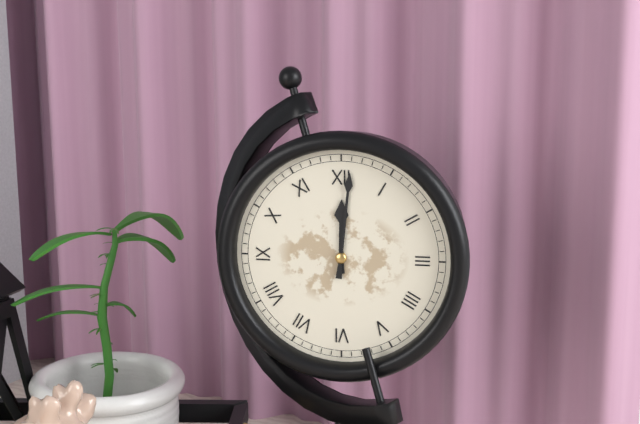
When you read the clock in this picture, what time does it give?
12:01
